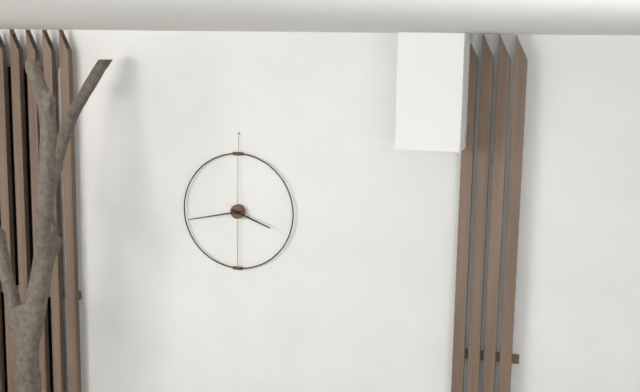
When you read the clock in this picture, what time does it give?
3:43
